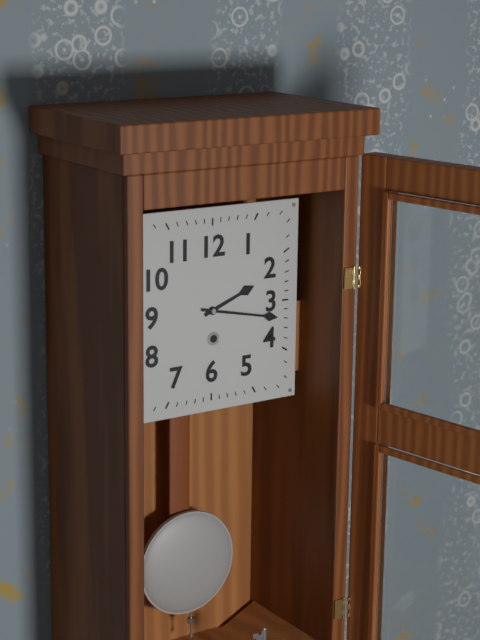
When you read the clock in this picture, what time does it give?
2:17
